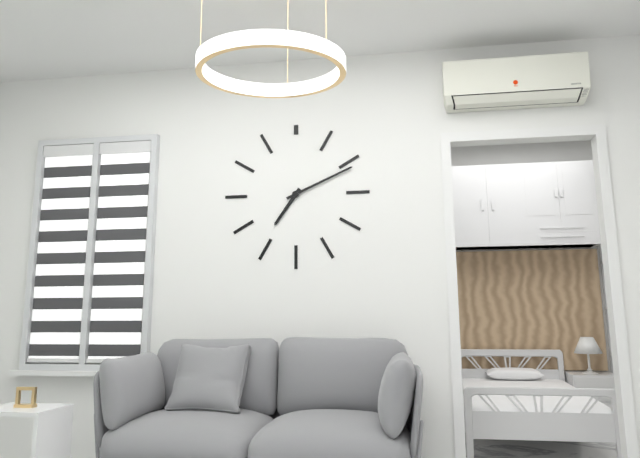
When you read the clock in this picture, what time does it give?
7:11
